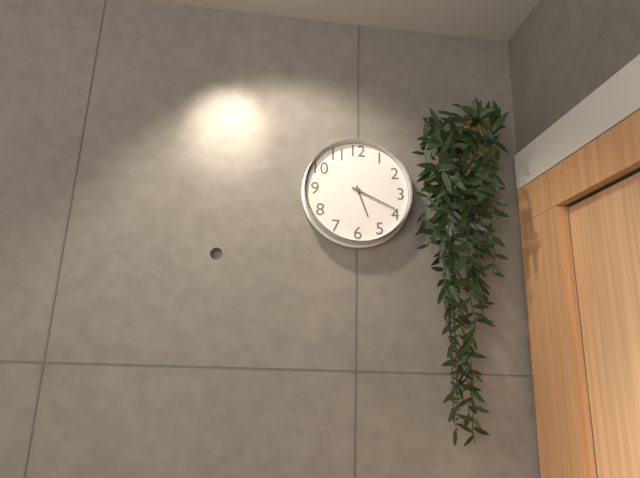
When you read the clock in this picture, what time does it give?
5:19
